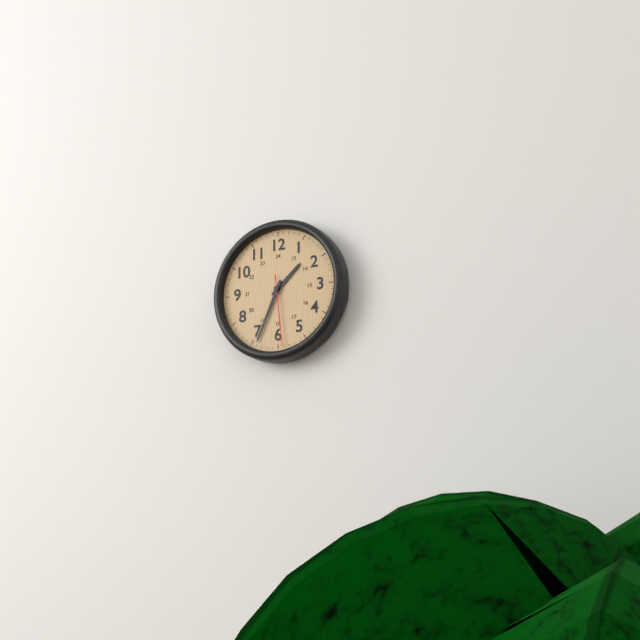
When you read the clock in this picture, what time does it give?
1:34:29
